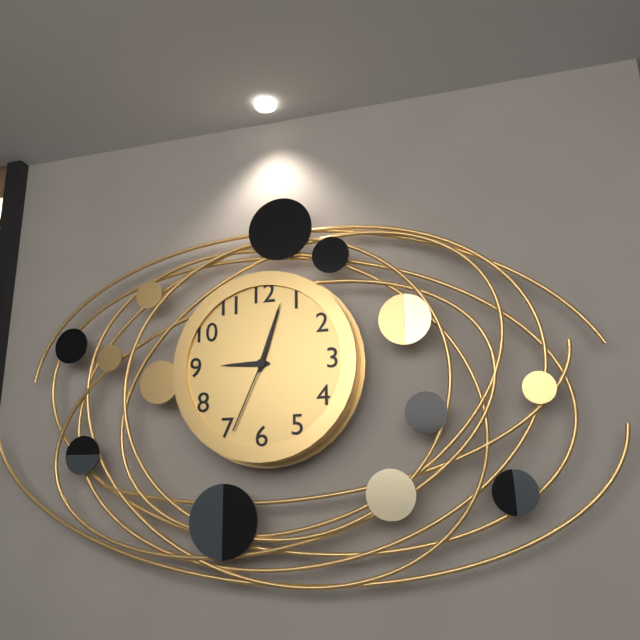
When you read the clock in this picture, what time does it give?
9:03:34
